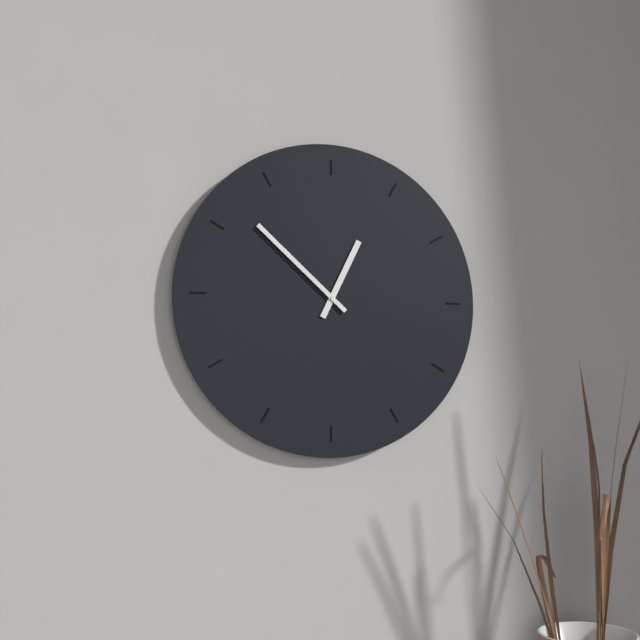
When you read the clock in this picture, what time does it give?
12:52
